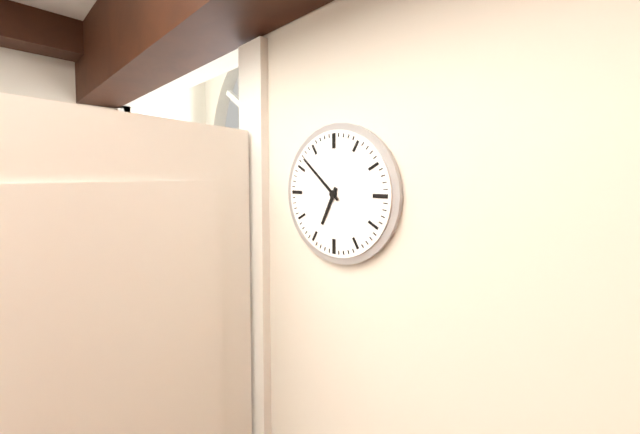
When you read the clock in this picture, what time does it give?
6:52
